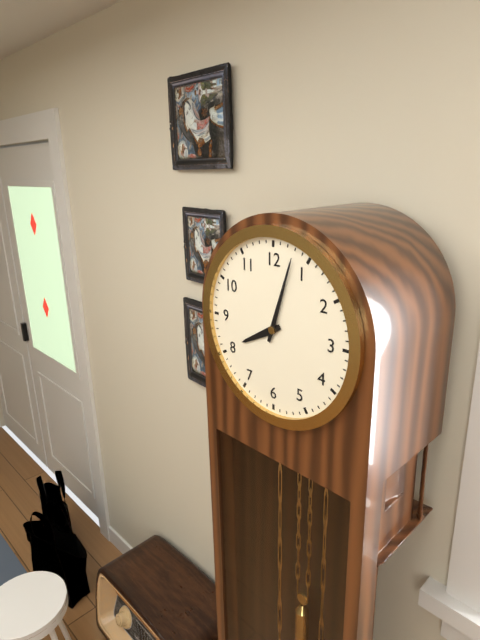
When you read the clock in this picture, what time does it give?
8:03
